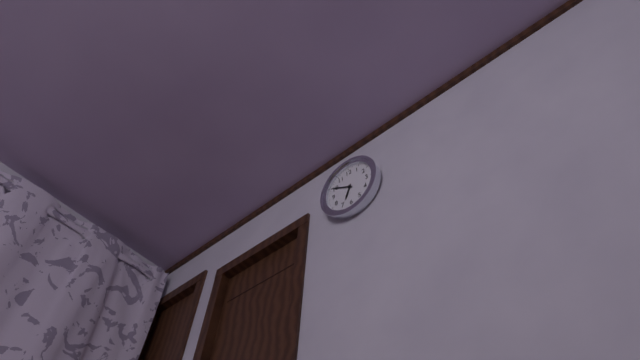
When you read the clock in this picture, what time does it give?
6:50
